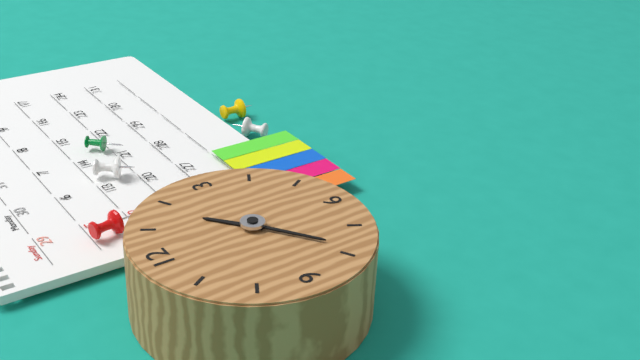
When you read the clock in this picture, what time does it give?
1:39
